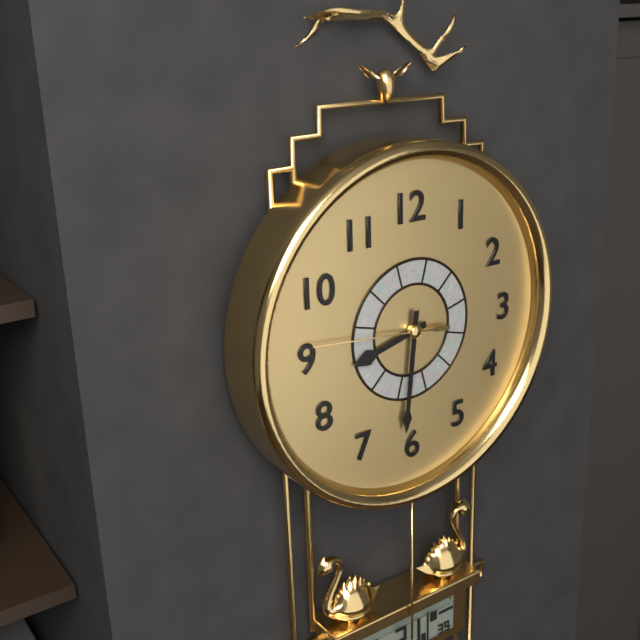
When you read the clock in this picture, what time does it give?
8:31:46
